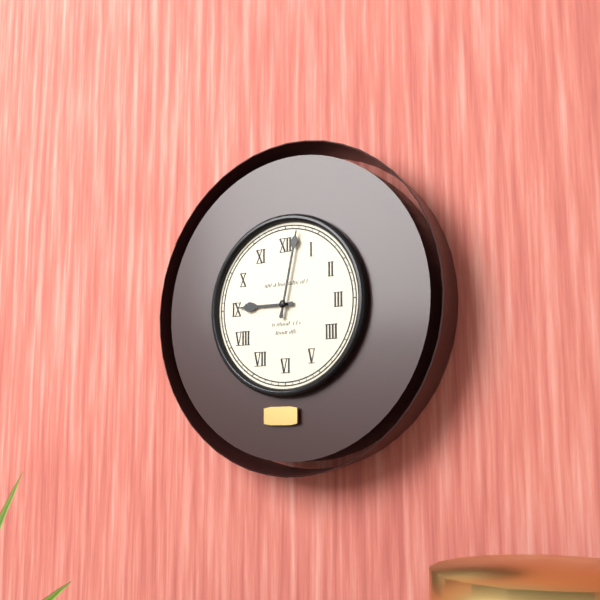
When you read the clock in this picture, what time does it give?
9:02
